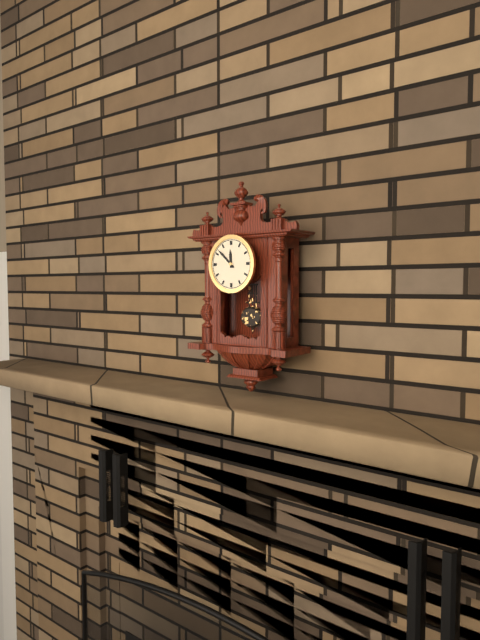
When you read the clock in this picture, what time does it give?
11:52
